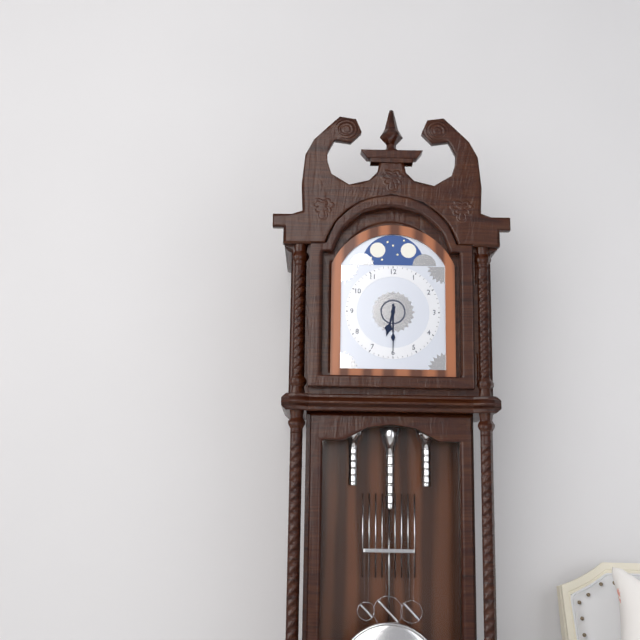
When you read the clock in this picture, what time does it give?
6:30
